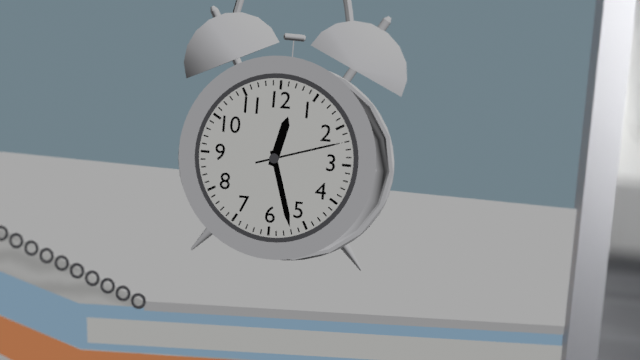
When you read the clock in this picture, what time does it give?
12:27:12
